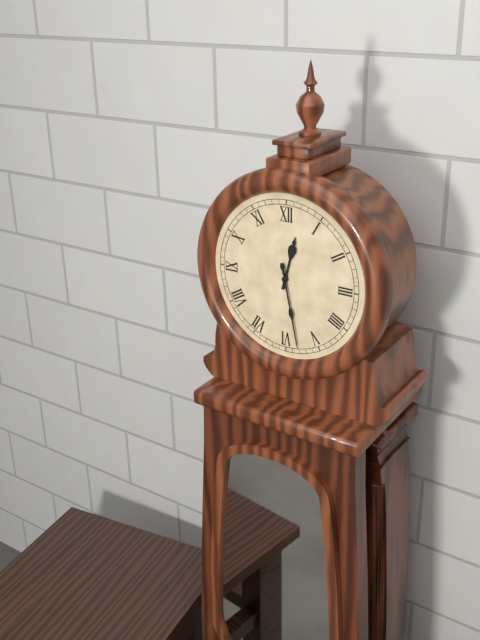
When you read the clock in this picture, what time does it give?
12:28
